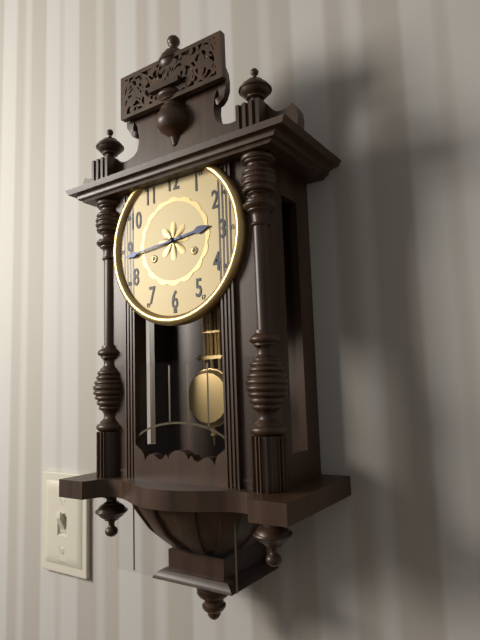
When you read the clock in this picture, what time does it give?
2:44
